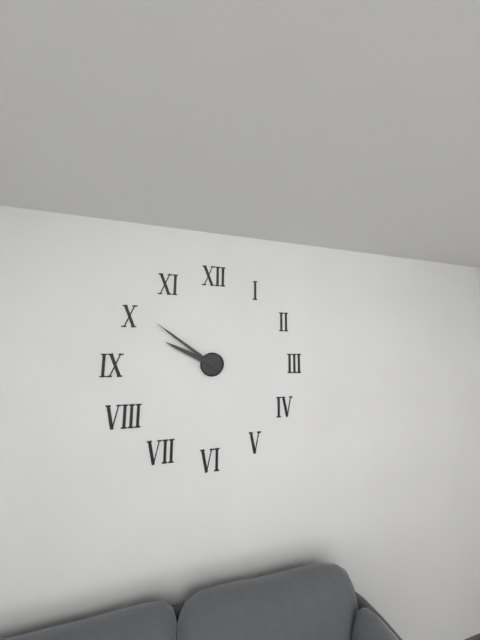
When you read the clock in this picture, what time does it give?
9:51
